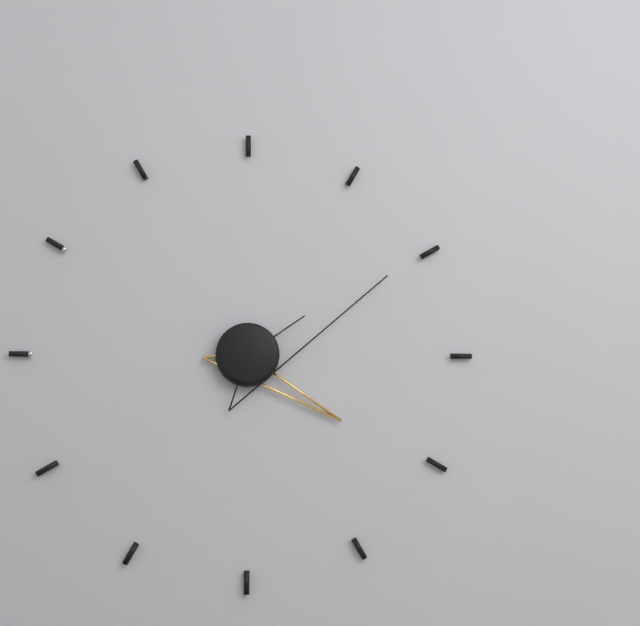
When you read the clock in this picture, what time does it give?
4:10
